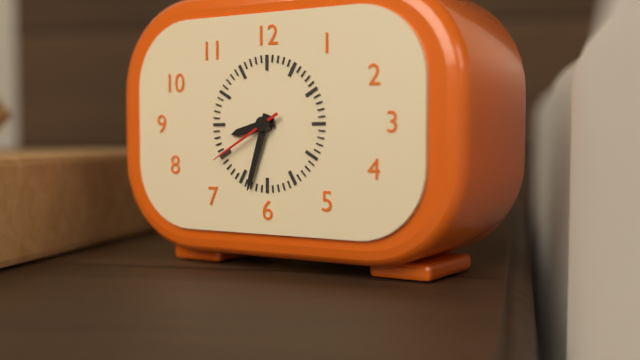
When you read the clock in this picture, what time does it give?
8:33:40
